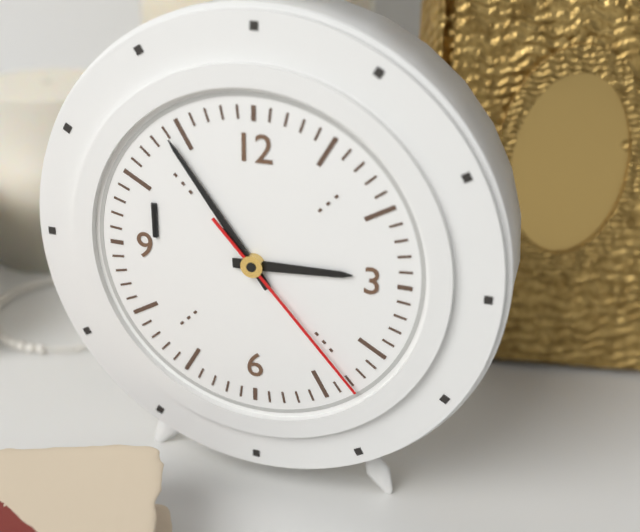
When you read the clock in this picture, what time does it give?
2:54:23
